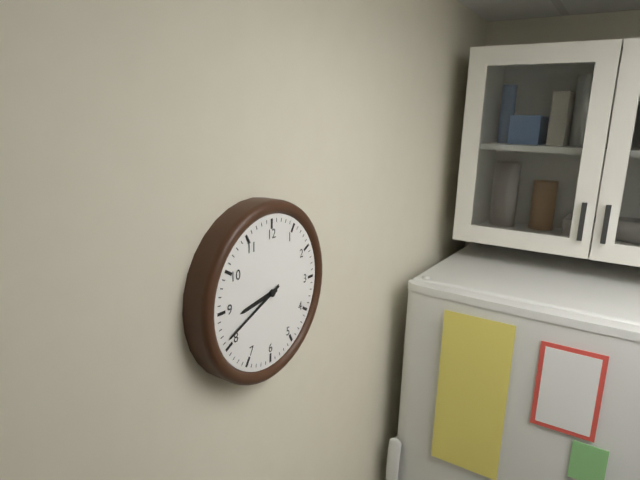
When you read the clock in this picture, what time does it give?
8:41
